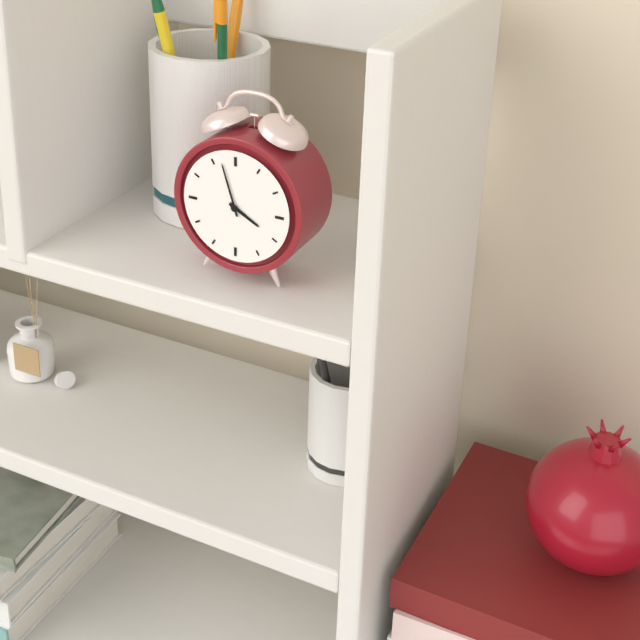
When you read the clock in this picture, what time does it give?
3:57
